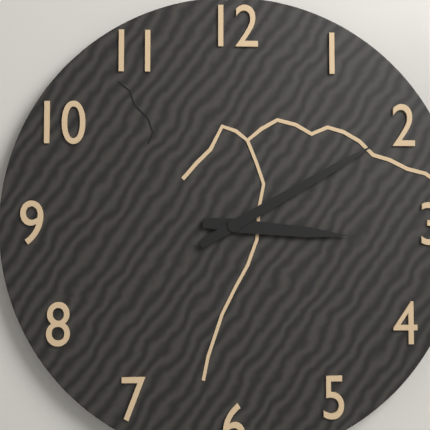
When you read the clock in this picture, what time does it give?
3:10
